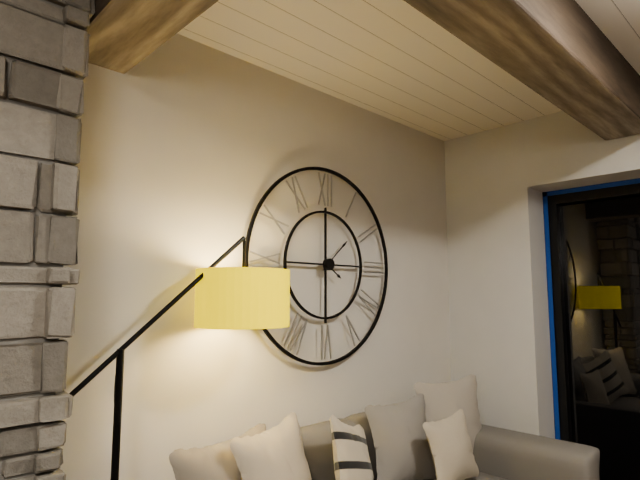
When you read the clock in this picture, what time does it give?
4:08
